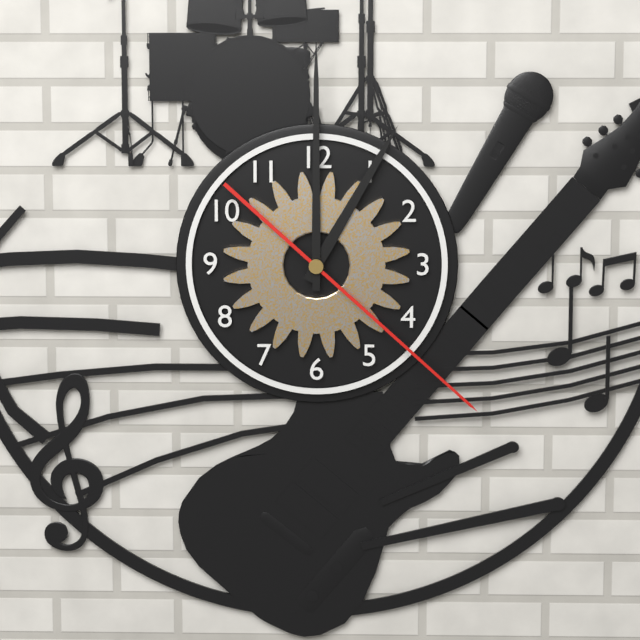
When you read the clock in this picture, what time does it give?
1:00:22
